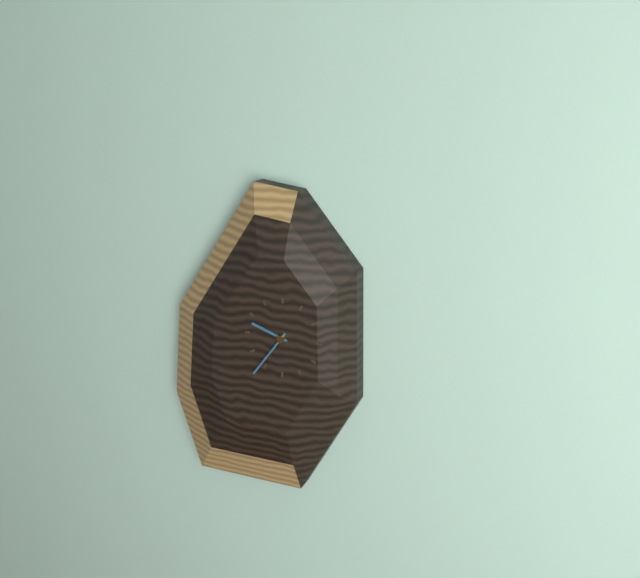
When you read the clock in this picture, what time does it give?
9:36
